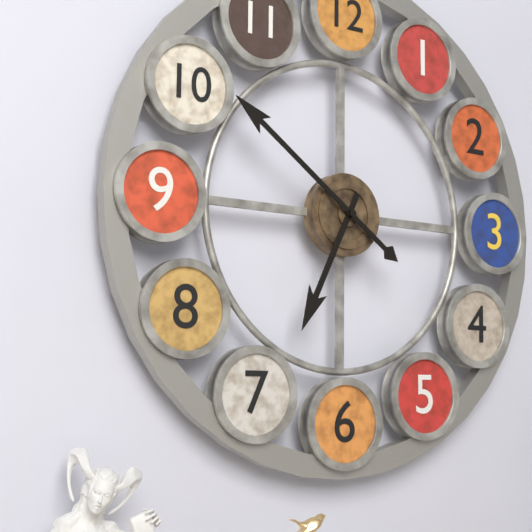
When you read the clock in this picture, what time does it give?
6:51
